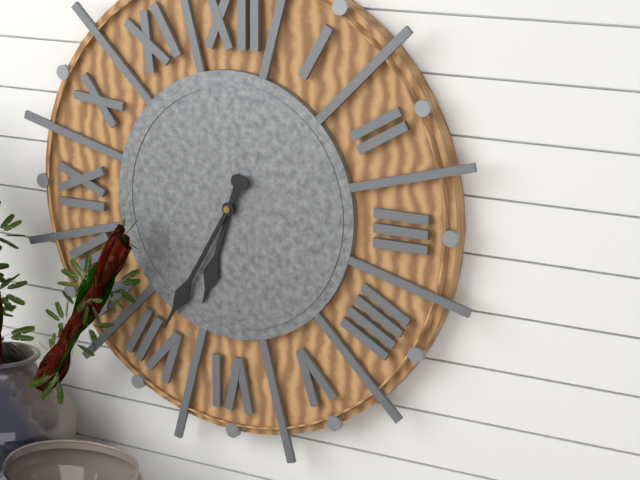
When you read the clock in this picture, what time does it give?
6:35
